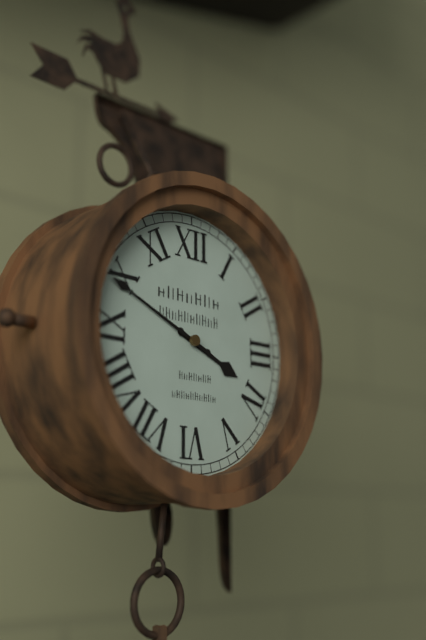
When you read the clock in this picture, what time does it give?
3:49
